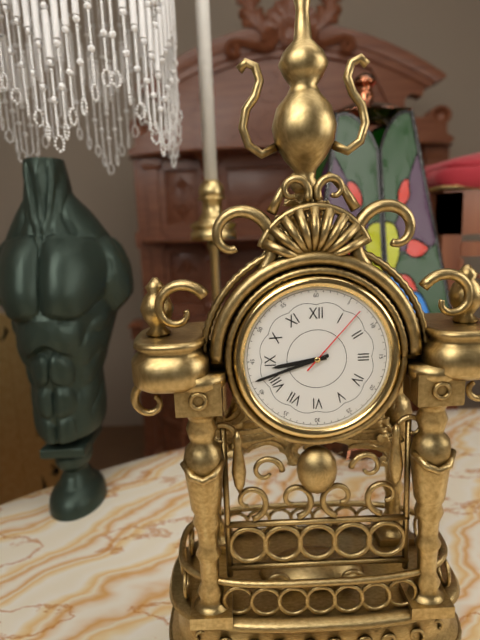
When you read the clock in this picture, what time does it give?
8:42:07
